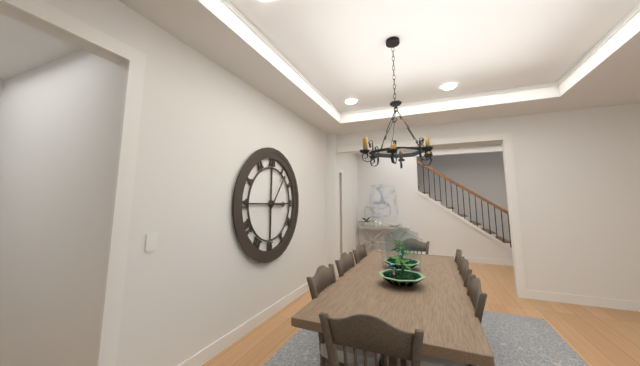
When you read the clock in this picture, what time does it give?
3:06
